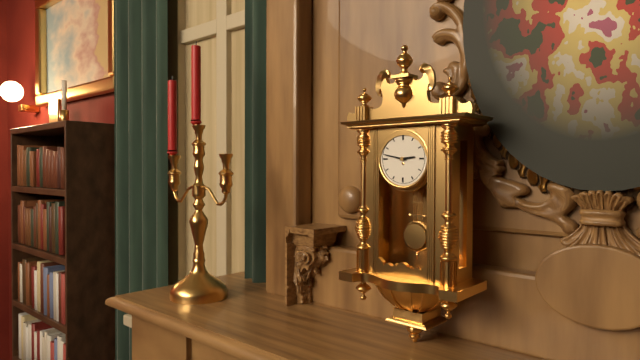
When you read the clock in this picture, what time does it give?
2:47
